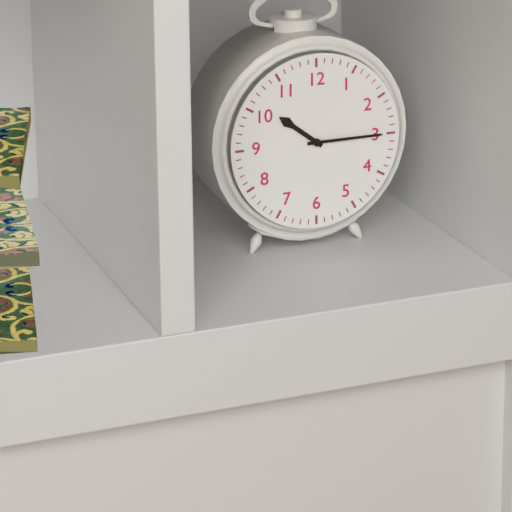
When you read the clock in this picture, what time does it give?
10:15
